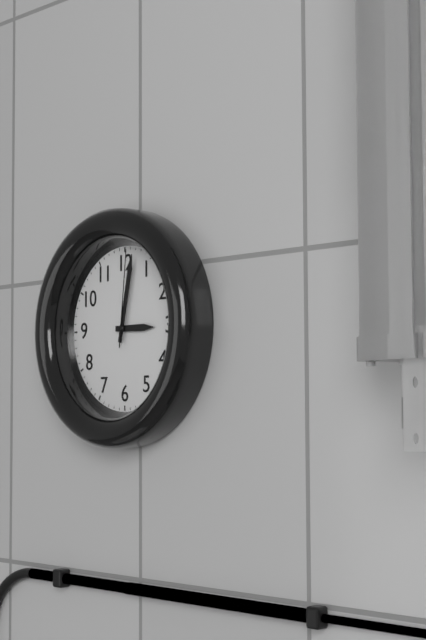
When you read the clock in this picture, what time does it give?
3:02:01
